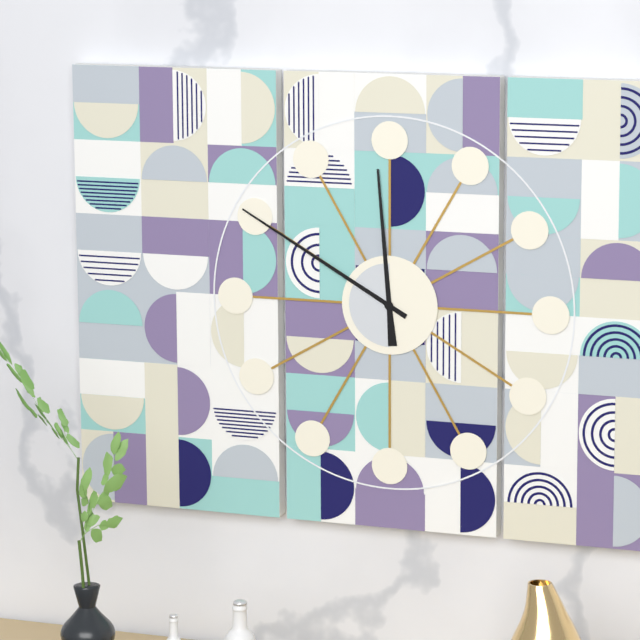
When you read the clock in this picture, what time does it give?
11:50
